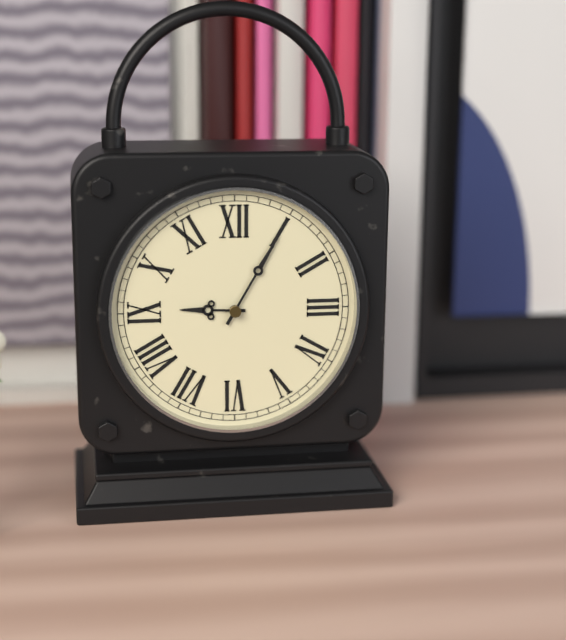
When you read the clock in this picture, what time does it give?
9:05
